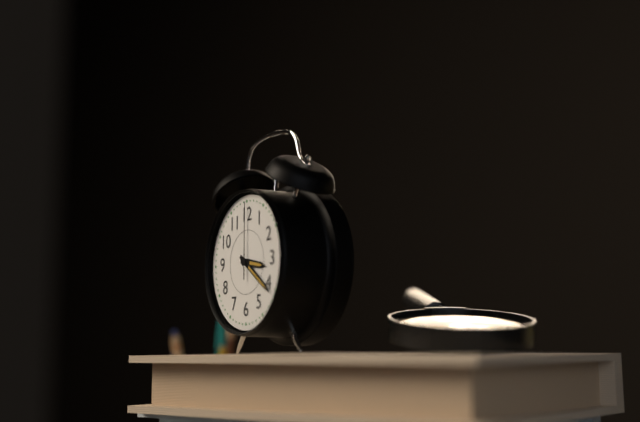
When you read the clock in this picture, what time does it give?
3:21:00
